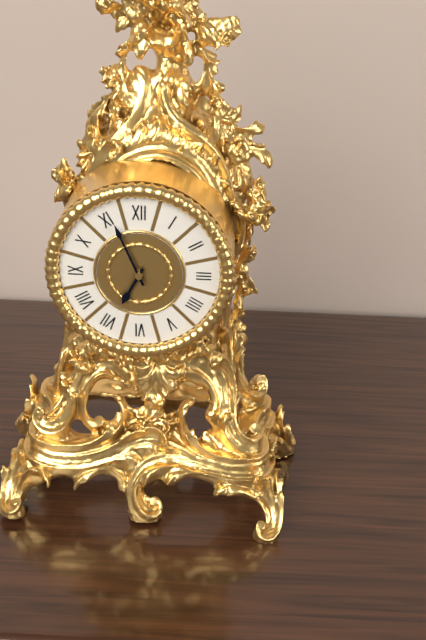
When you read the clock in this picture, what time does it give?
6:56
